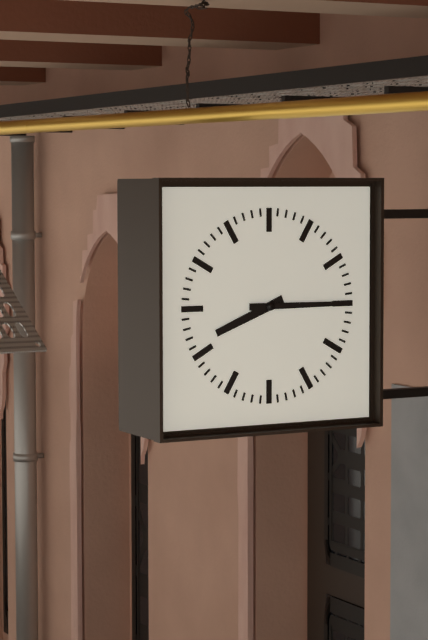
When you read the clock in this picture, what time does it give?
8:15
